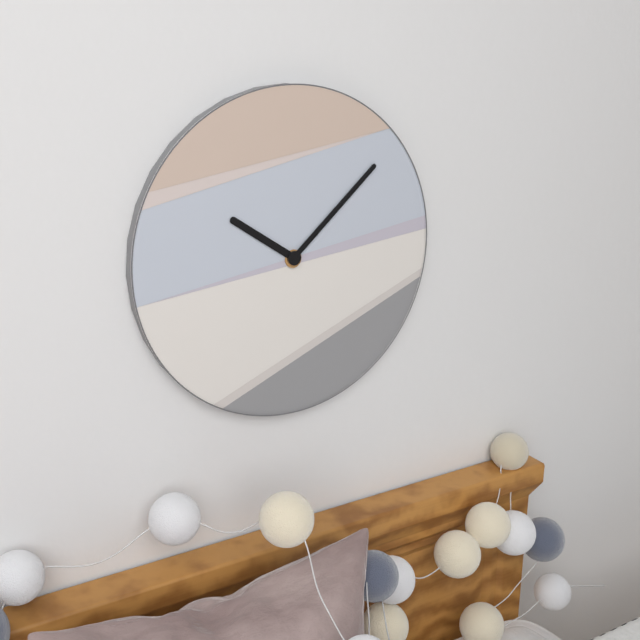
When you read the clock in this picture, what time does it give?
10:08
